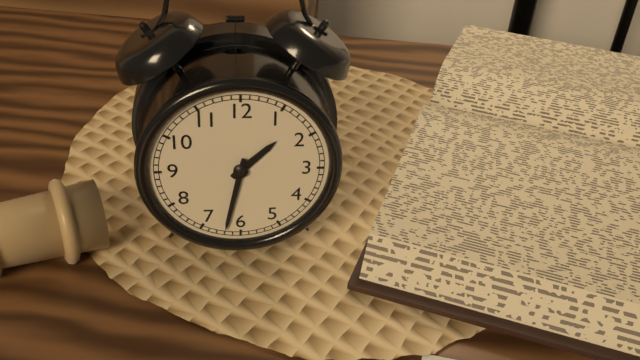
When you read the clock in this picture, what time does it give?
1:32
